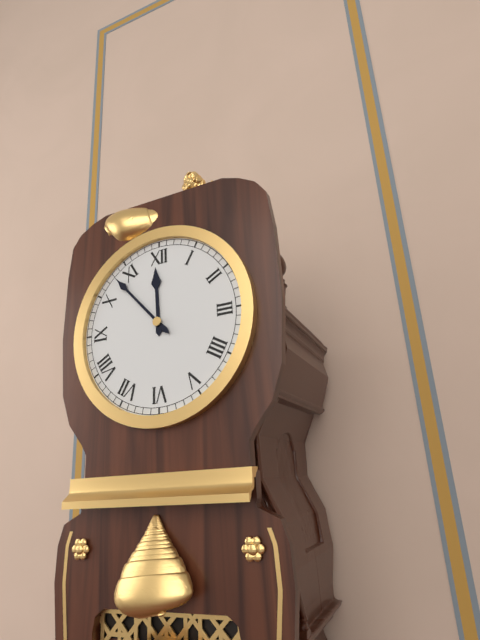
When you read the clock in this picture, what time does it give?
11:53
